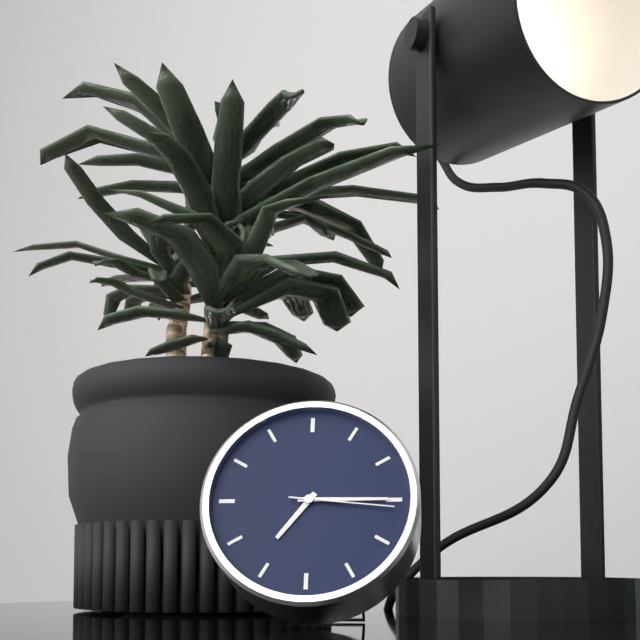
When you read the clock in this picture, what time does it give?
7:15:16
